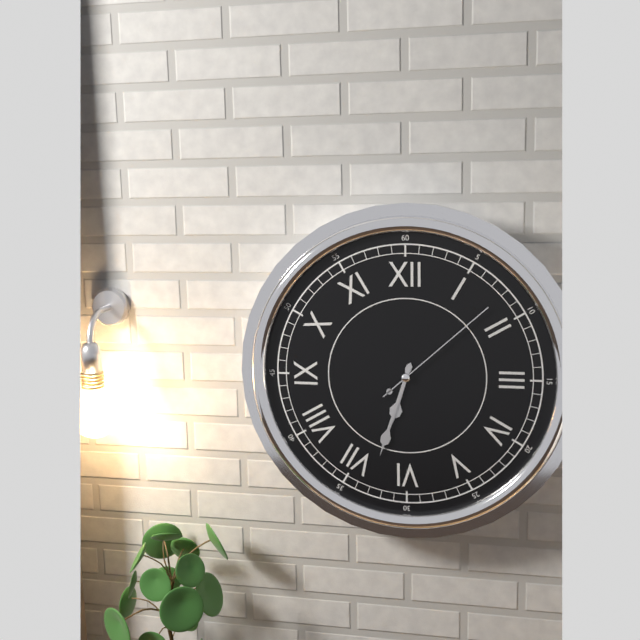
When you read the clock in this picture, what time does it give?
6:33:08
